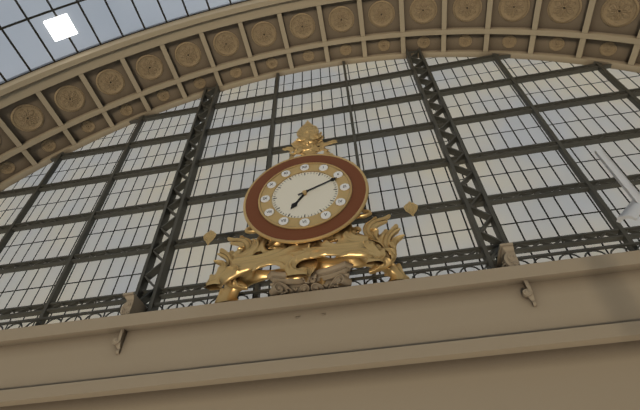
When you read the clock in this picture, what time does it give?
7:11
